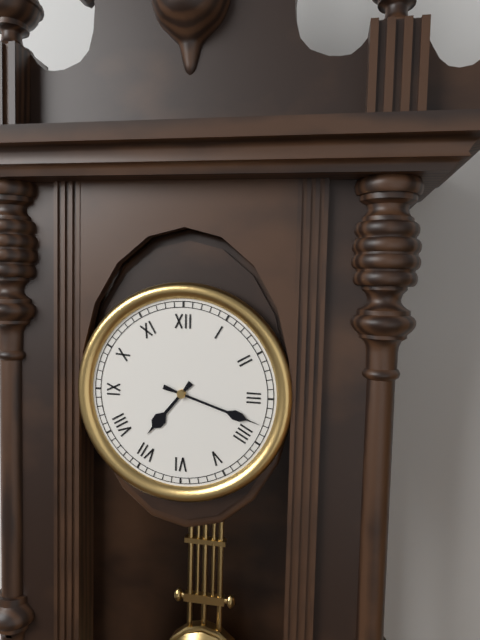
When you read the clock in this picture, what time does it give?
7:18
